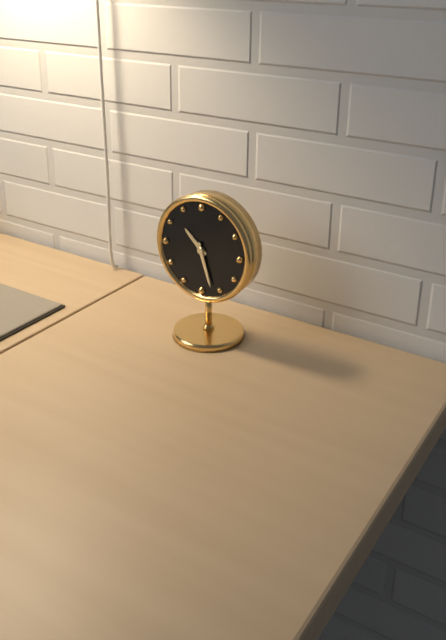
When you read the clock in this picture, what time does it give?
10:27
